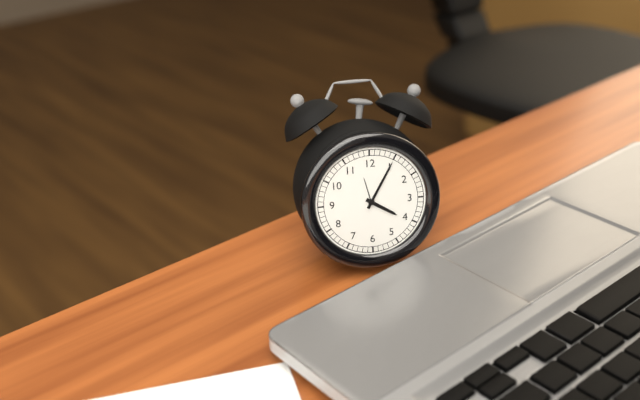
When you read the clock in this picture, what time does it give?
4:05
